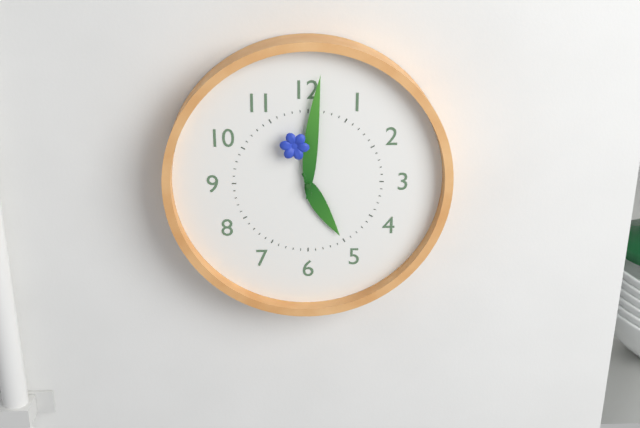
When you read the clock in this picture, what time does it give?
5:01:57
